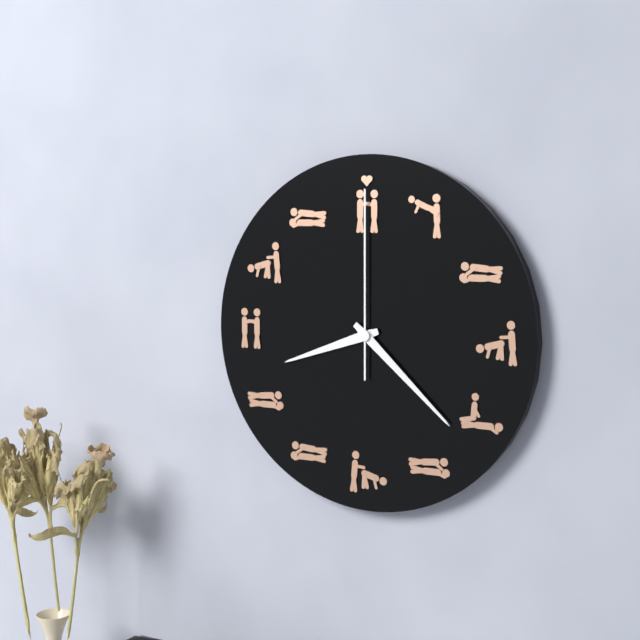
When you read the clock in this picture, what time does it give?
8:22:00
